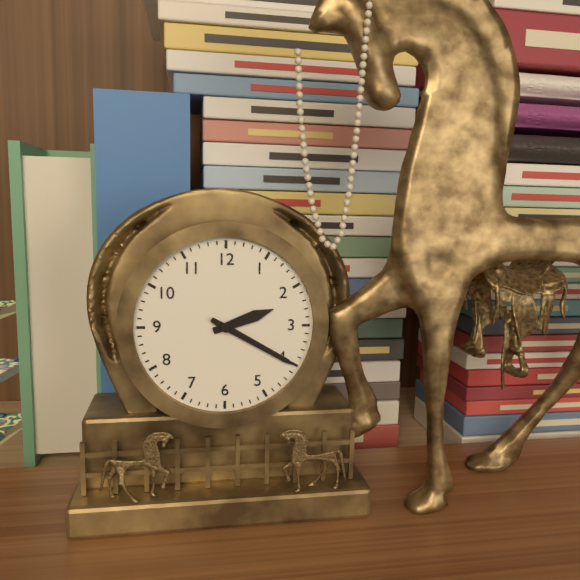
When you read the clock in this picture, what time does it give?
2:20
